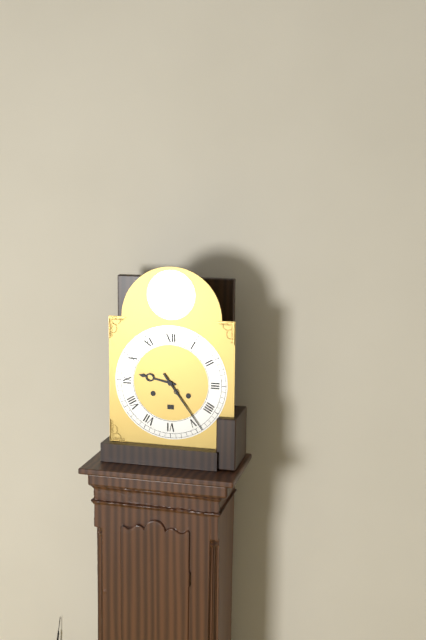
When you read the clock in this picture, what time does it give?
9:24
